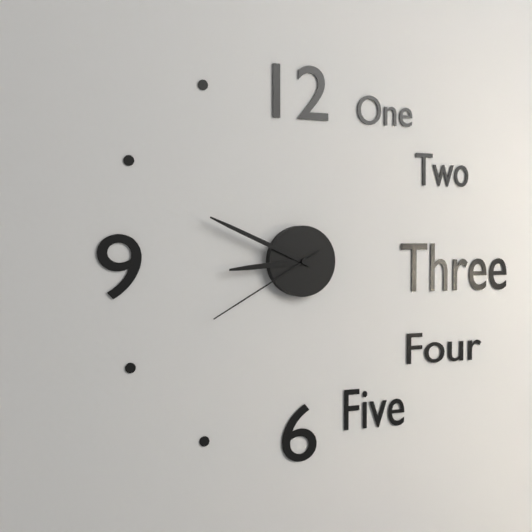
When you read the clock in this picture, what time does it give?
8:49:40
